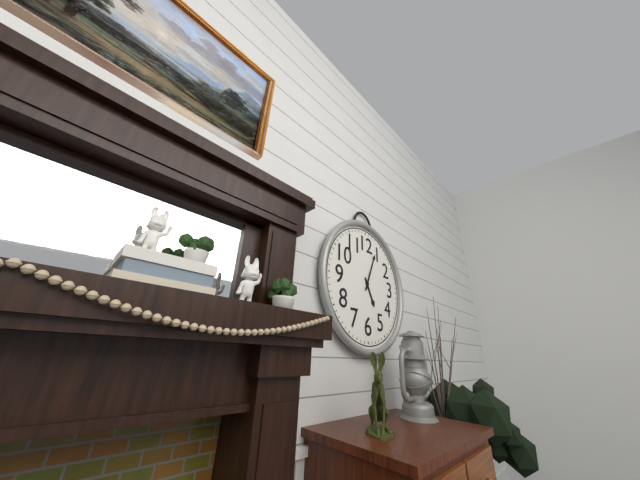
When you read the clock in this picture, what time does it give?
5:04
